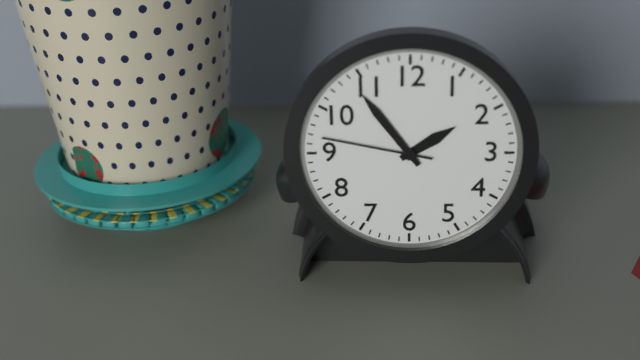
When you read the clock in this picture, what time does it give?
1:54:47
